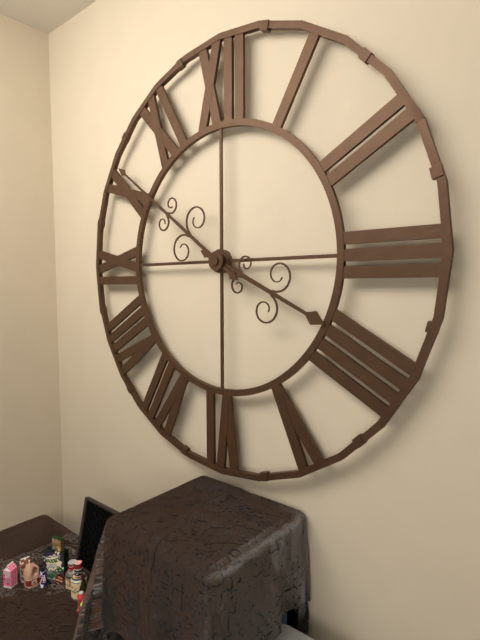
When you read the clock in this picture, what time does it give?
3:51
